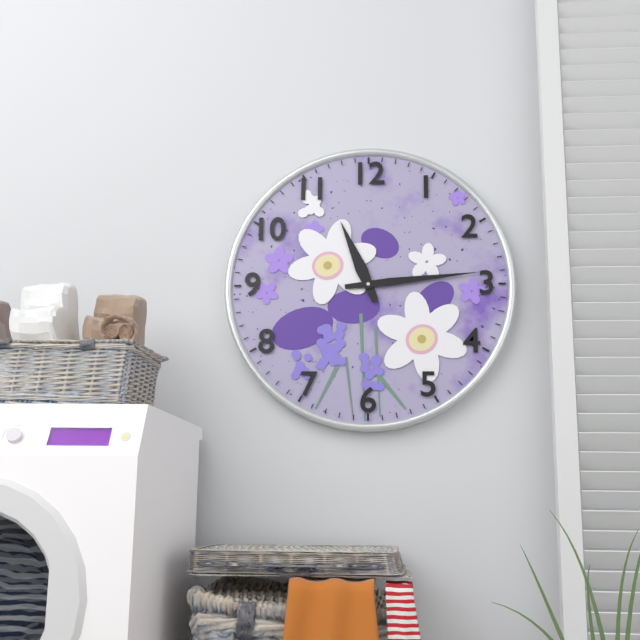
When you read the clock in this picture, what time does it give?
11:14
